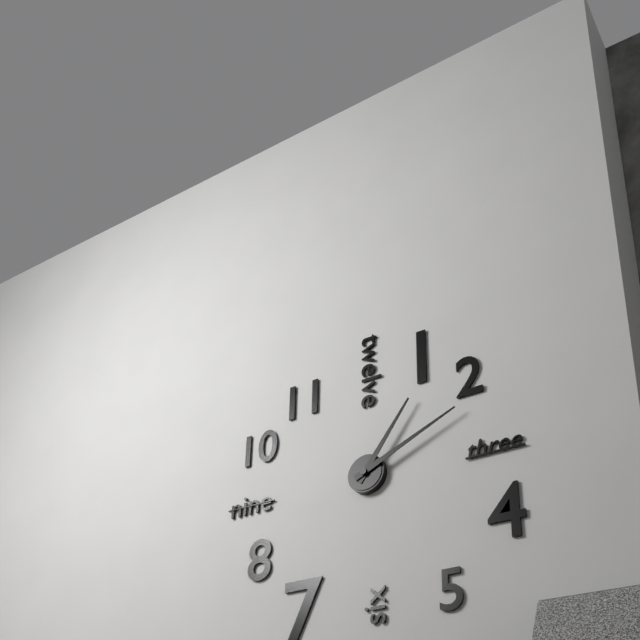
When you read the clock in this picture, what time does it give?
1:11
